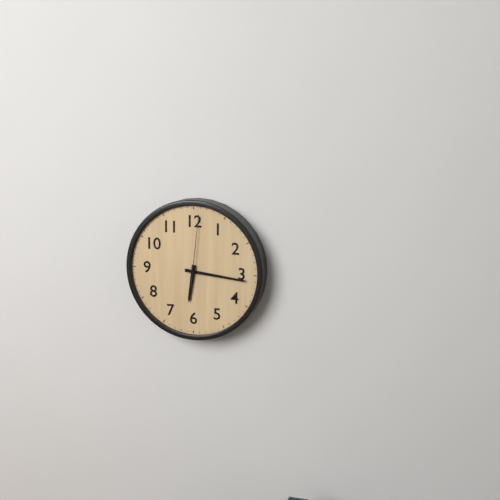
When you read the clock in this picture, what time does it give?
6:16:01
